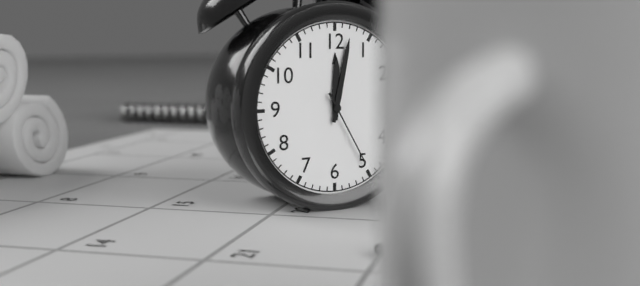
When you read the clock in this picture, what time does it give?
12:02:25
